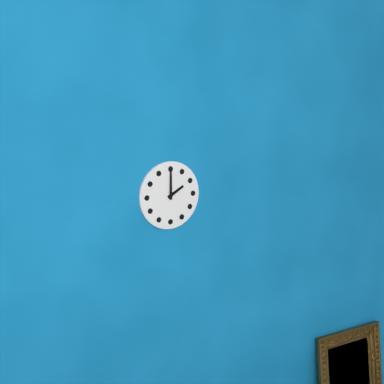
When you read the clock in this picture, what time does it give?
2:00
